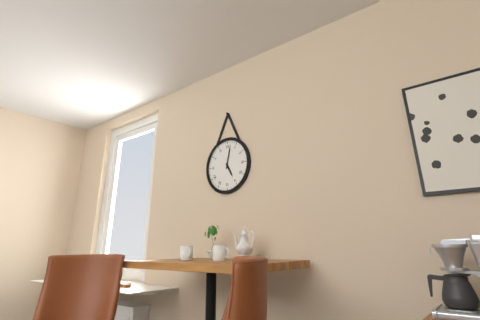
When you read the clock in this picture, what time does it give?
5:02
